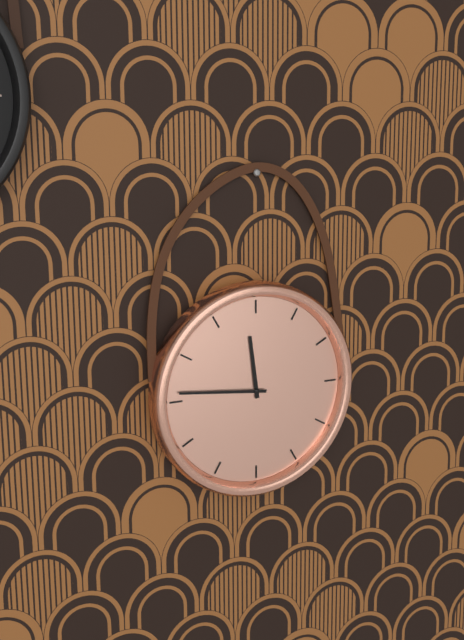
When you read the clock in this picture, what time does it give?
11:46
